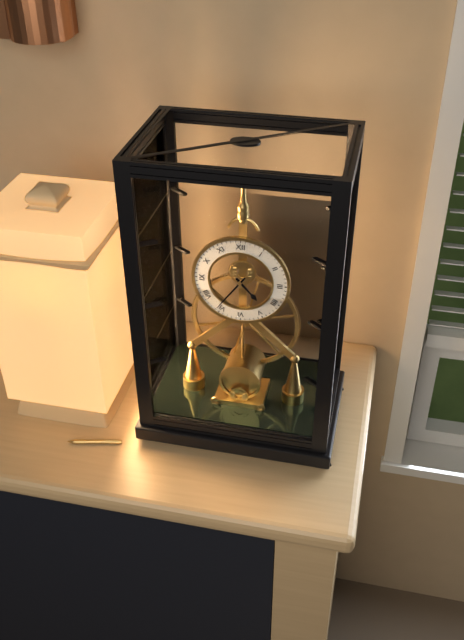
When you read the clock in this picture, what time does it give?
4:36
